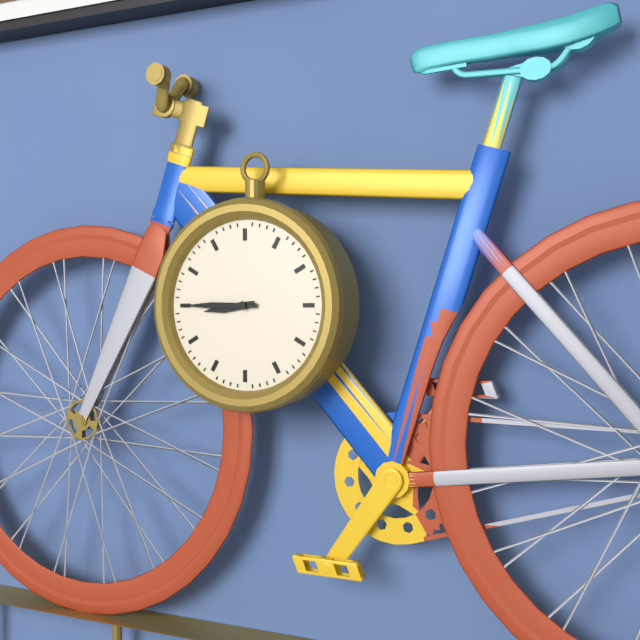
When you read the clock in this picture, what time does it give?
8:45
